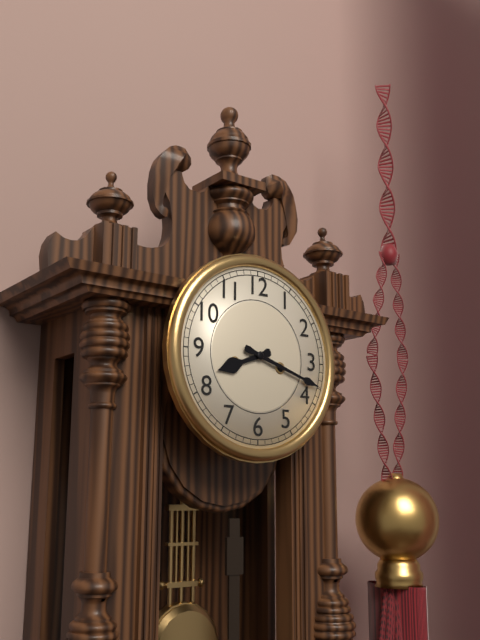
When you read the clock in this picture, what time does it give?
8:18
